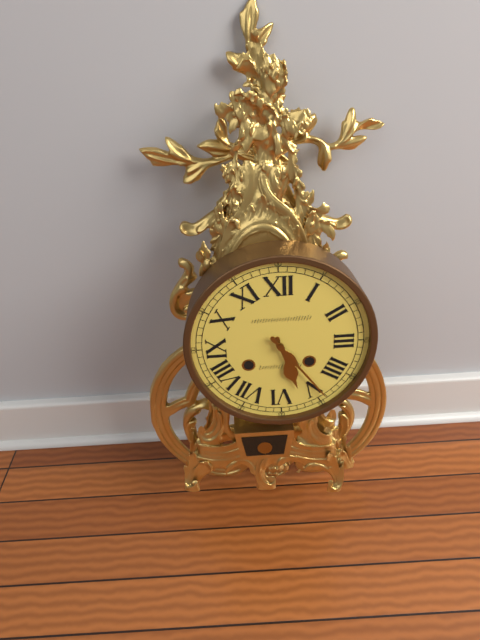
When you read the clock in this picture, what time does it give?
5:24
